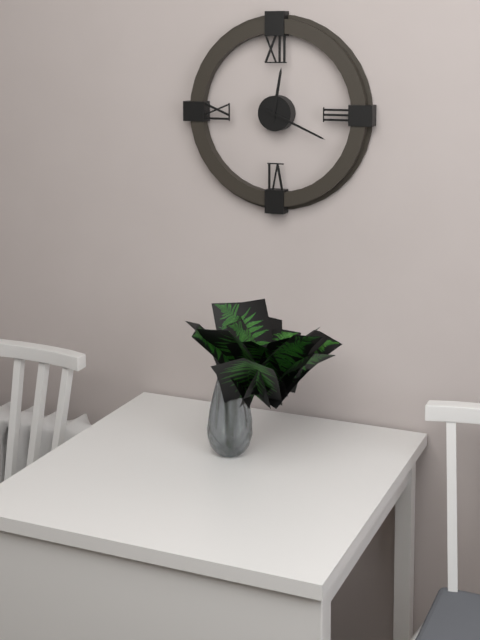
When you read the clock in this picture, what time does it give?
12:19
